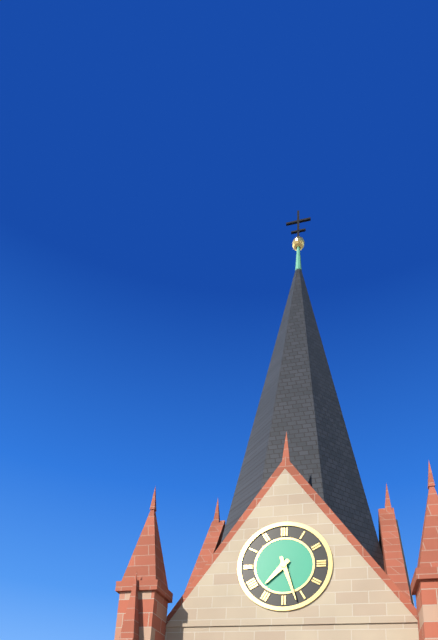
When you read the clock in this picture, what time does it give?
7:27
